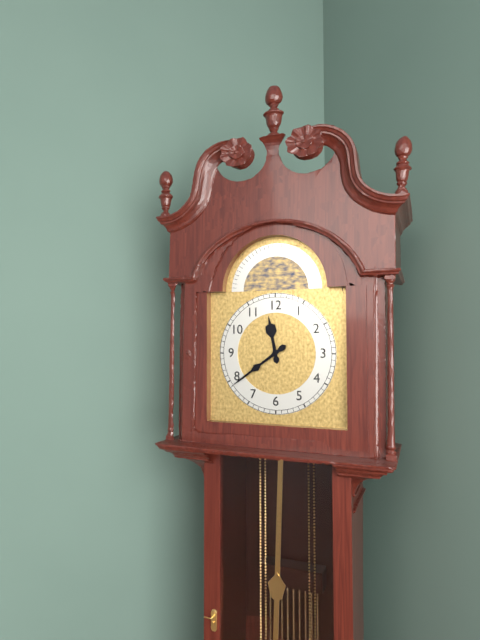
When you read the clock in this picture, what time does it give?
11:39
